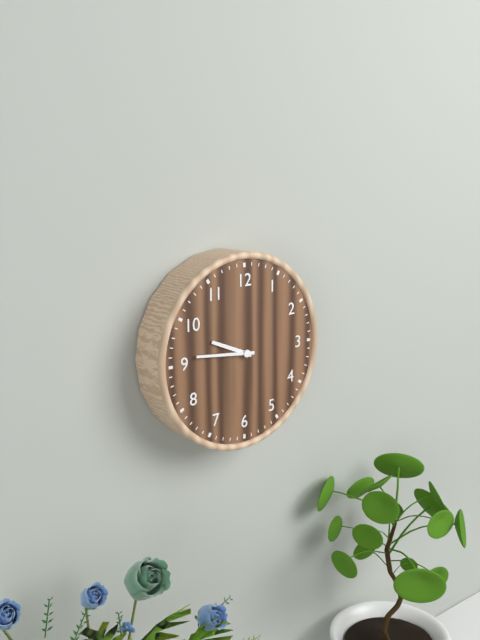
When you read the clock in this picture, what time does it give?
9:46
